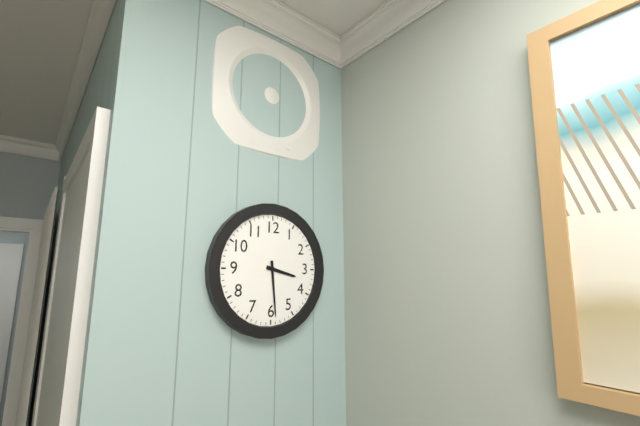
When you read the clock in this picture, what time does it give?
3:29
